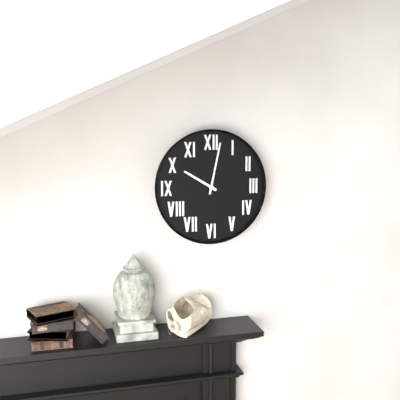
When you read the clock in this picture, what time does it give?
10:02
